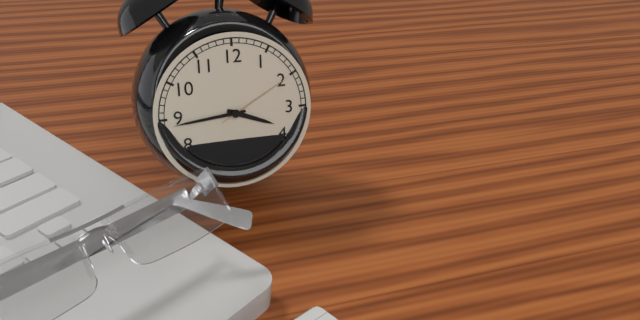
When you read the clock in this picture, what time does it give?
3:44:10
